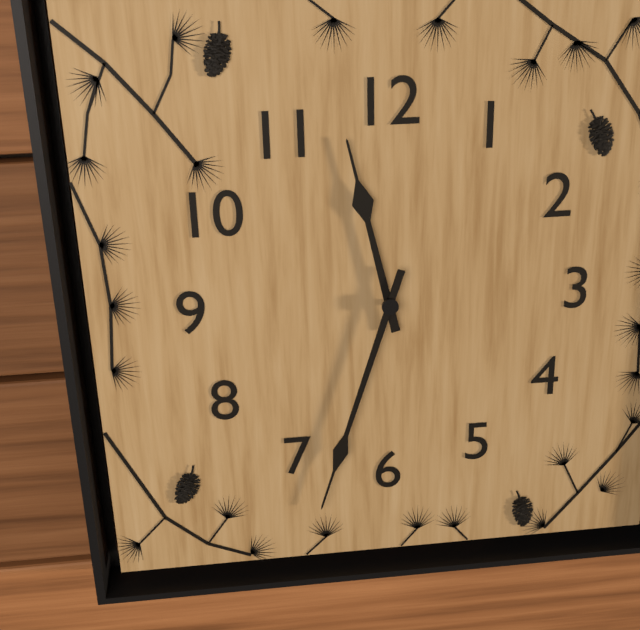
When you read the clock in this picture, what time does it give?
11:33
